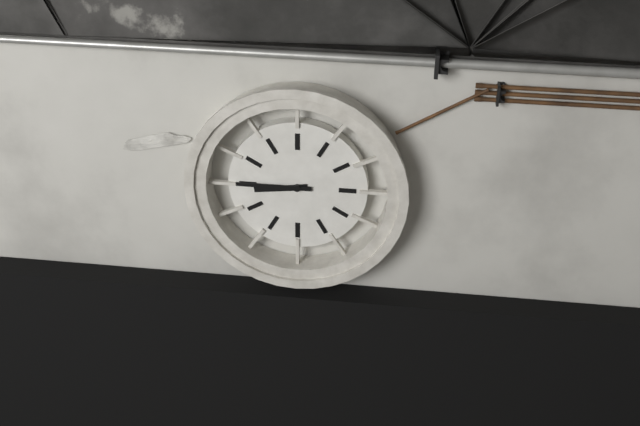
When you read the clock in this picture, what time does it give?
8:45
